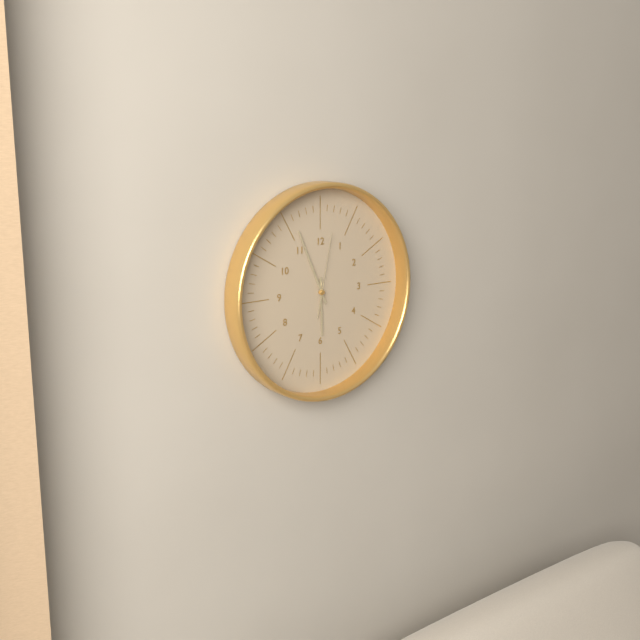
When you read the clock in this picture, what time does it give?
5:56:02
